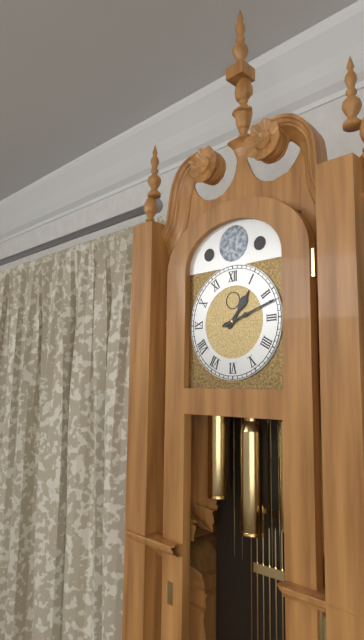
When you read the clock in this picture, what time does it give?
1:12
